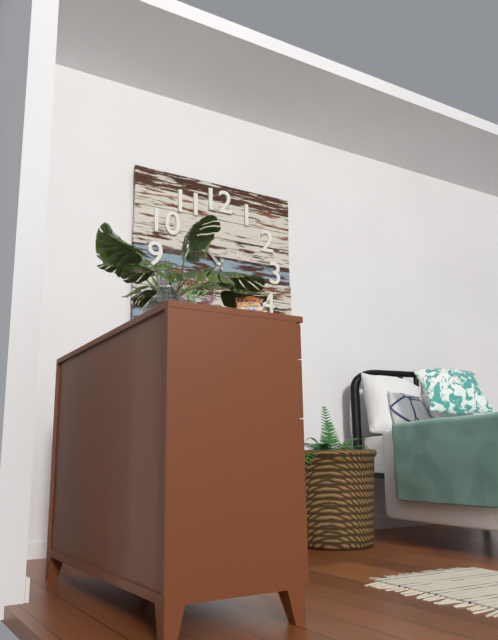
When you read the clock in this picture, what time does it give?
10:36
